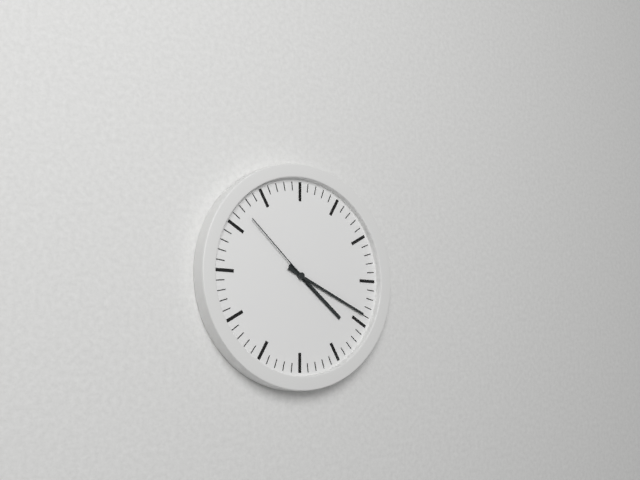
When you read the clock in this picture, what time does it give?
4:19:52
